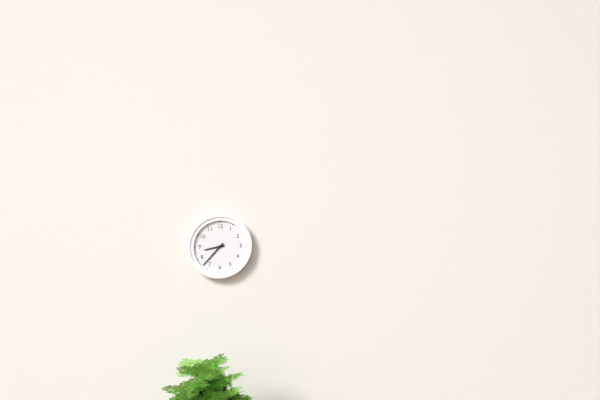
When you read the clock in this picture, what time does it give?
8:37
